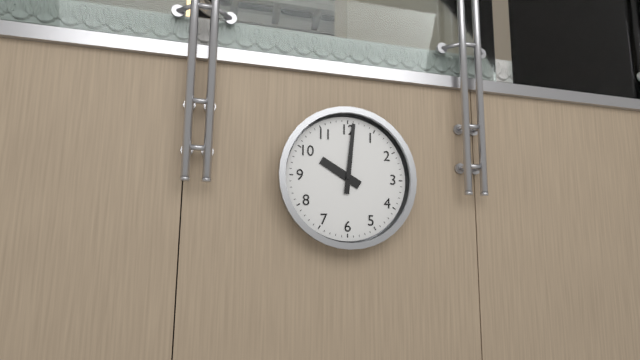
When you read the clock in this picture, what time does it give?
10:01
